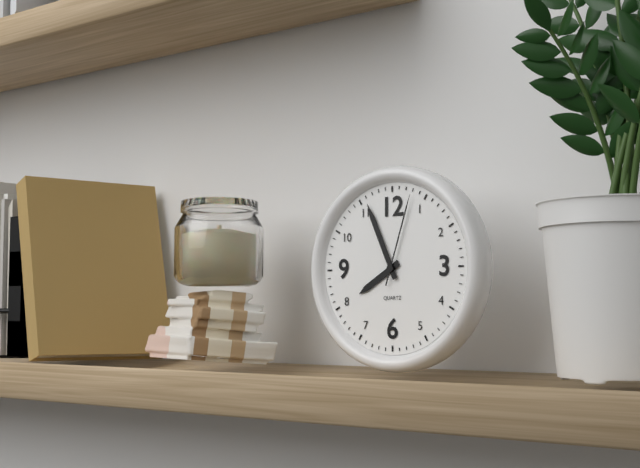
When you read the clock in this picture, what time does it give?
7:56:03
